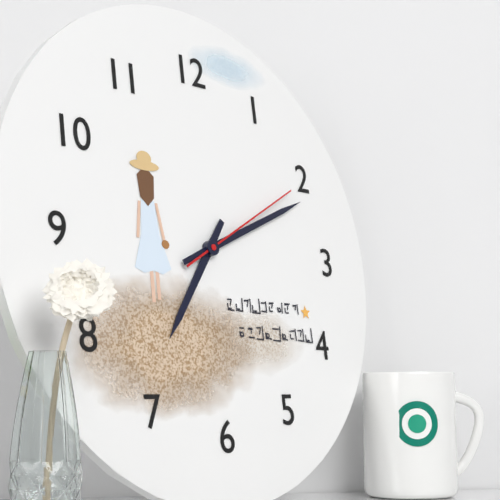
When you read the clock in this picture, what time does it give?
7:11:10
